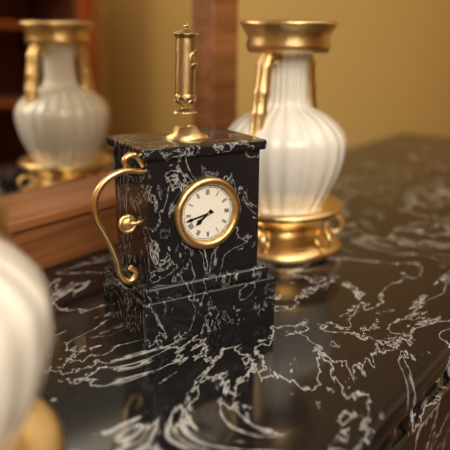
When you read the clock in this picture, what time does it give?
7:43
